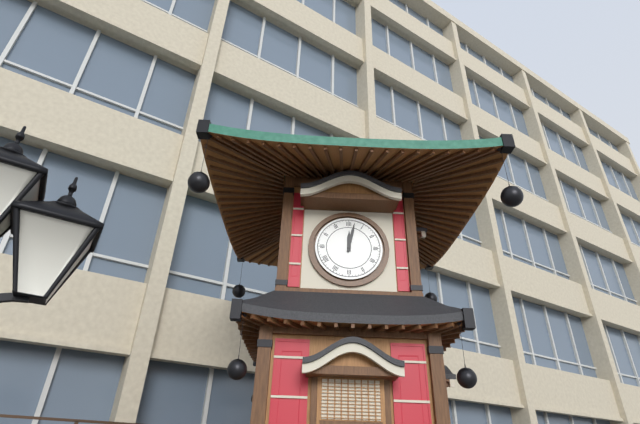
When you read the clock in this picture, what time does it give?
12:02
